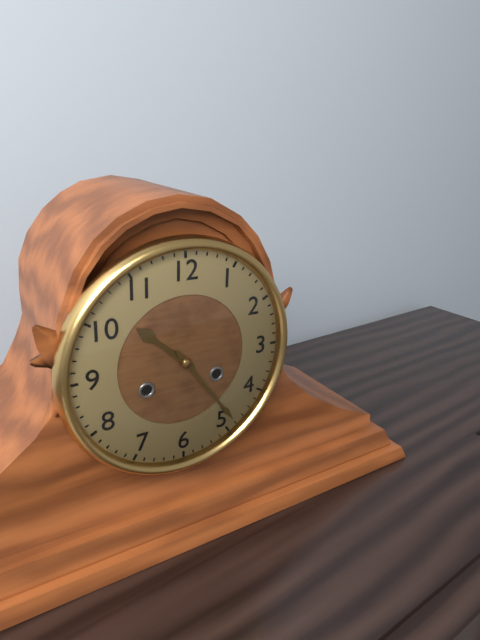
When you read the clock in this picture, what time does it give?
10:24
